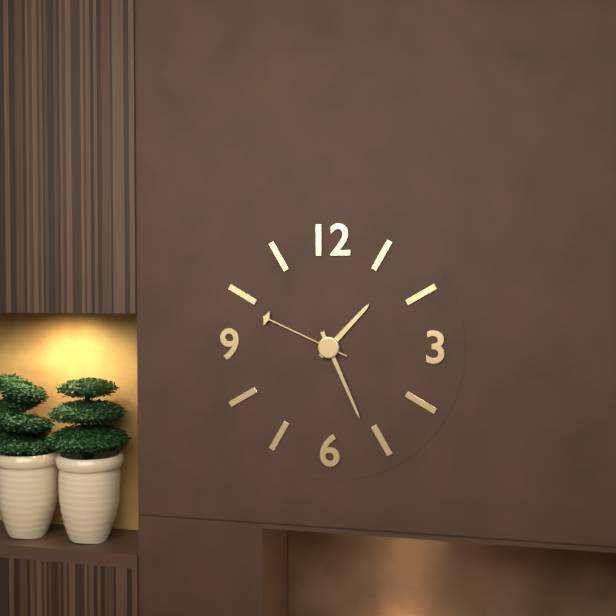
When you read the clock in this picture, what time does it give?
1:26:49
